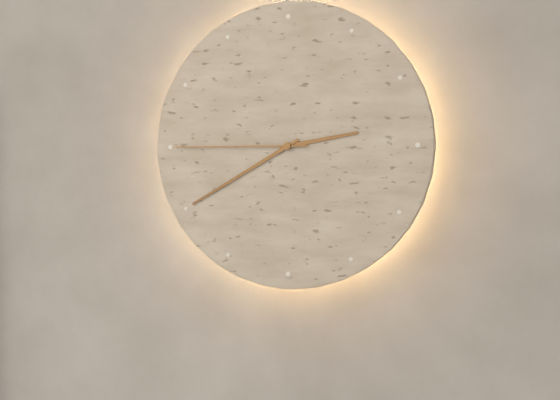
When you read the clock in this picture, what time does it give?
2:40:45
